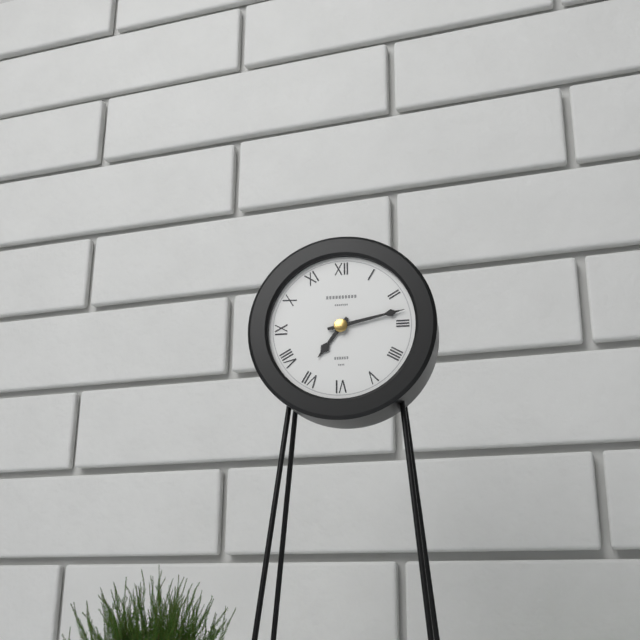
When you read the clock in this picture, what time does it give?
7:13
